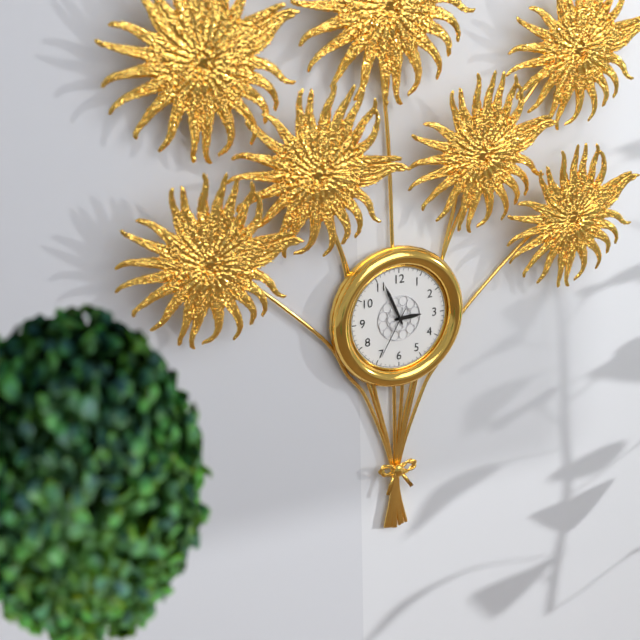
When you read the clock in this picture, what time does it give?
2:56:35
